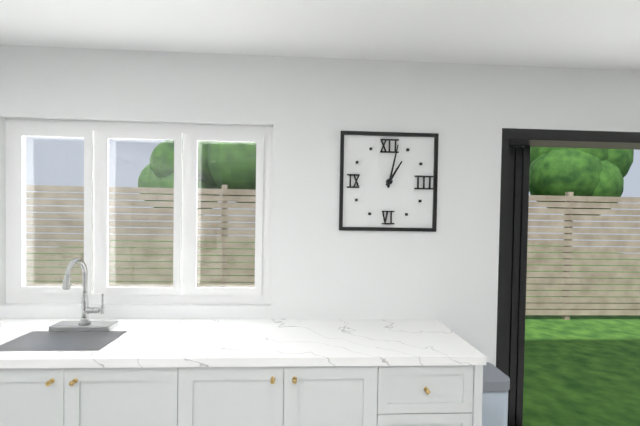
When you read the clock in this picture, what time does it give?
1:02
